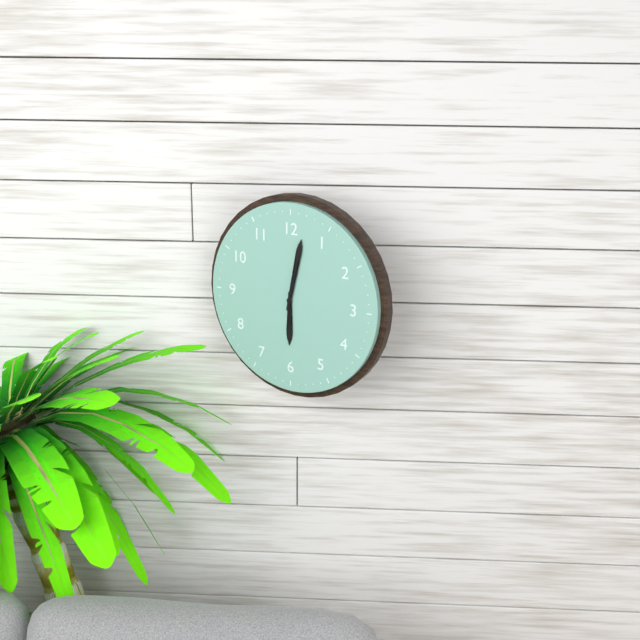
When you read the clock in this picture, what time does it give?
6:02
